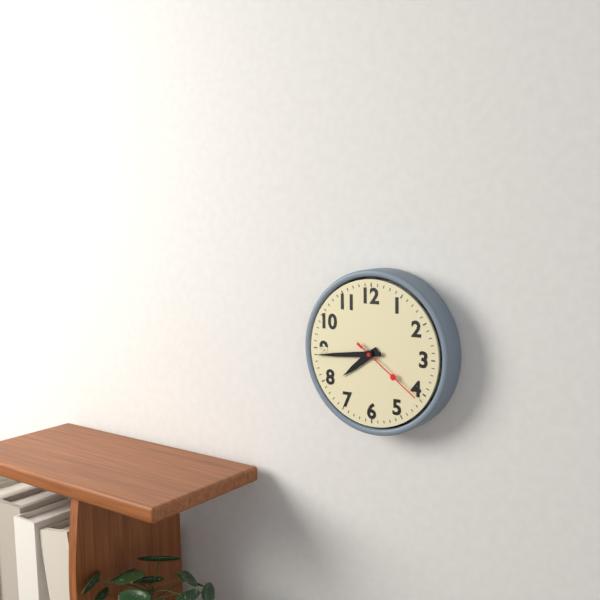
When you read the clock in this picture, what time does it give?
7:44:21
